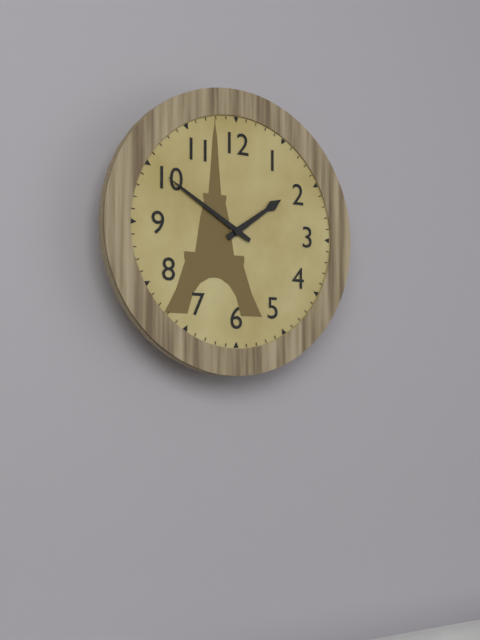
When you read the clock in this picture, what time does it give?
1:50
